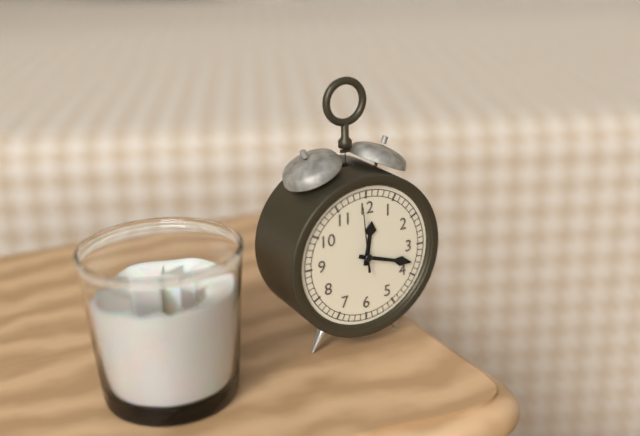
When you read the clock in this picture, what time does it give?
12:18:59
